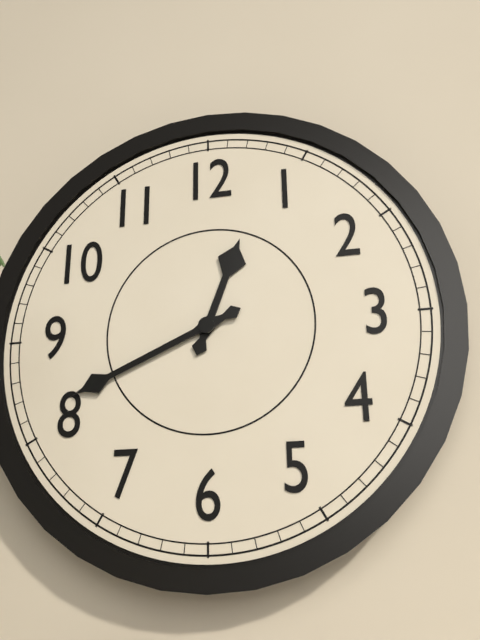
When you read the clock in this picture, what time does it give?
12:41
